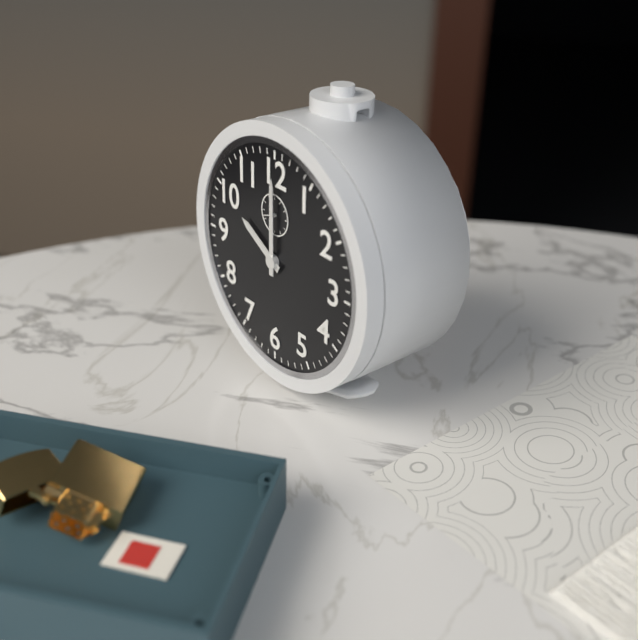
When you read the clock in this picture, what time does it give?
10:00
